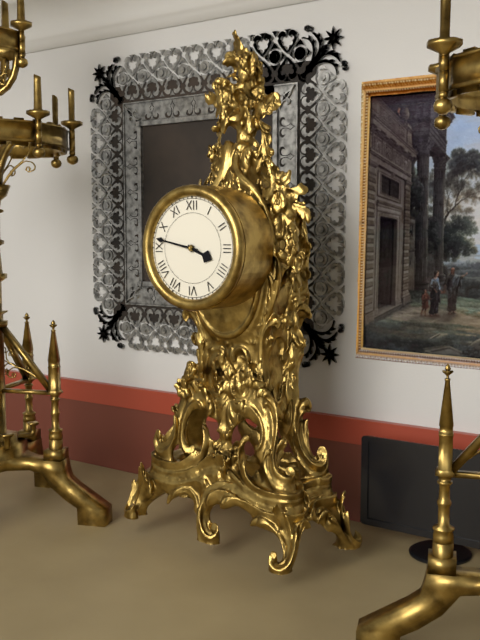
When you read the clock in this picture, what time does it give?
3:47
